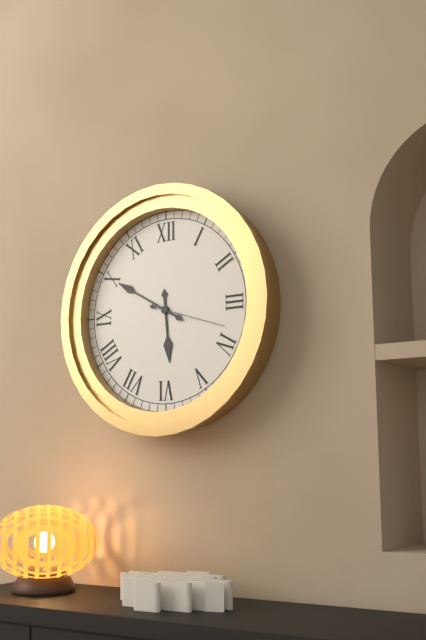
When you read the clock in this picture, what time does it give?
5:50:18
